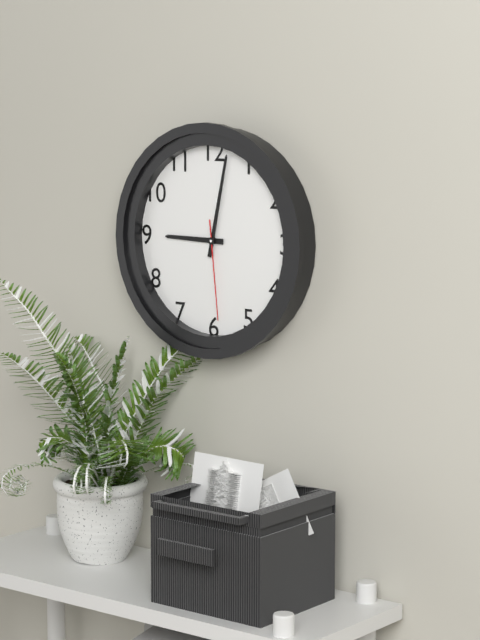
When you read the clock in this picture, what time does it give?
9:02:29
